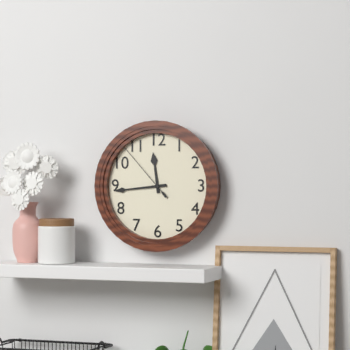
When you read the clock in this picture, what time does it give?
11:44:53
